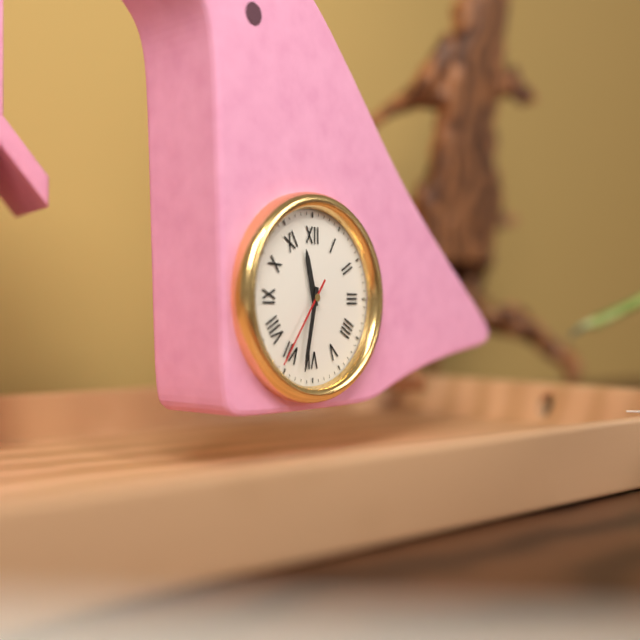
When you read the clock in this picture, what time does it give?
11:32:36
